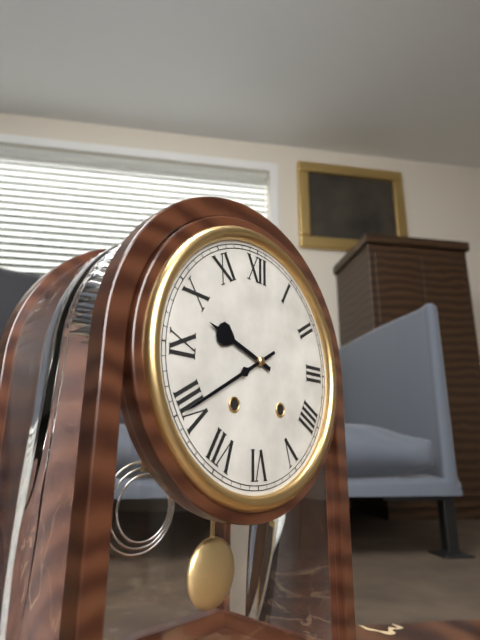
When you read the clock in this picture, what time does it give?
9:40
